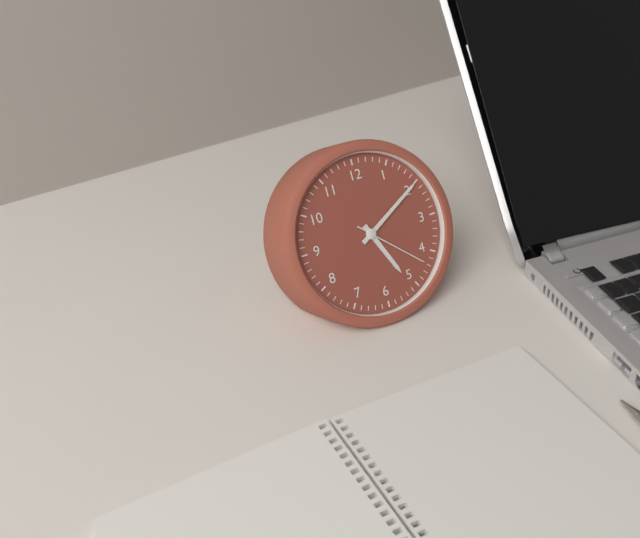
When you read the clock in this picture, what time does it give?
5:10:22
